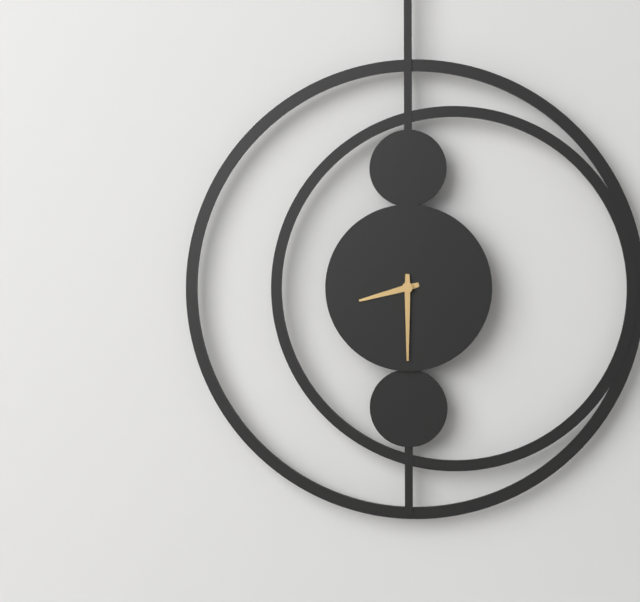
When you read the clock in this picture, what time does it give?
8:30
